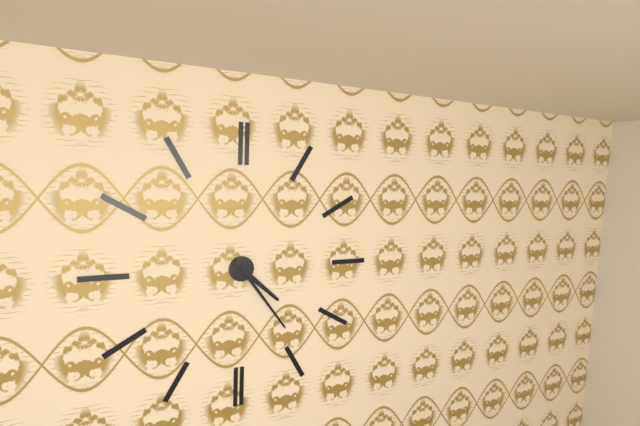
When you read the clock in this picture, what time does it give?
4:24
